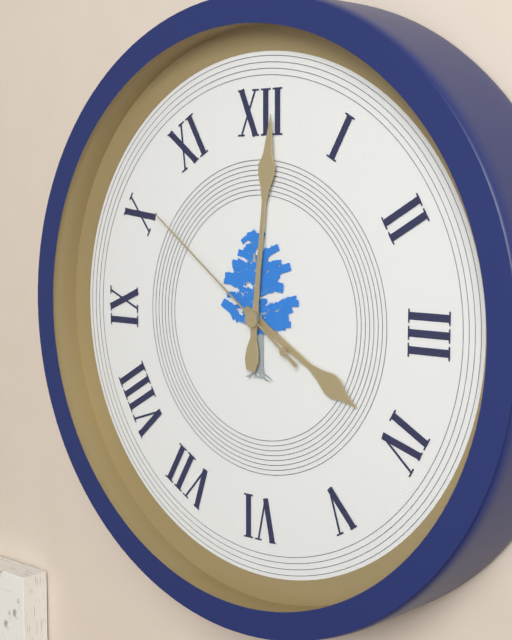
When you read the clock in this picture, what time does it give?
4:01:51
